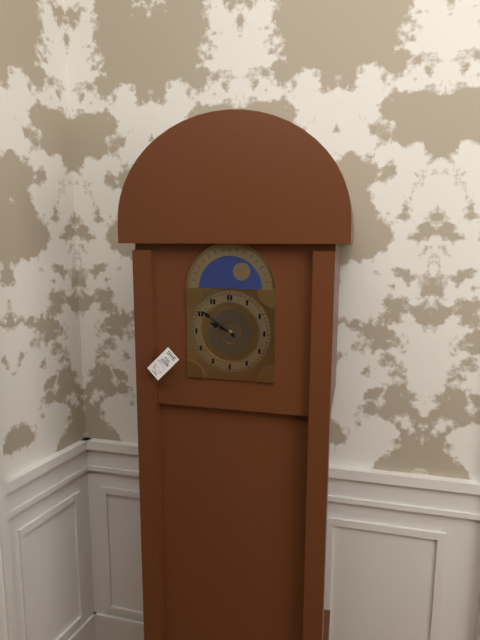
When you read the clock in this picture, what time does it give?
9:51
